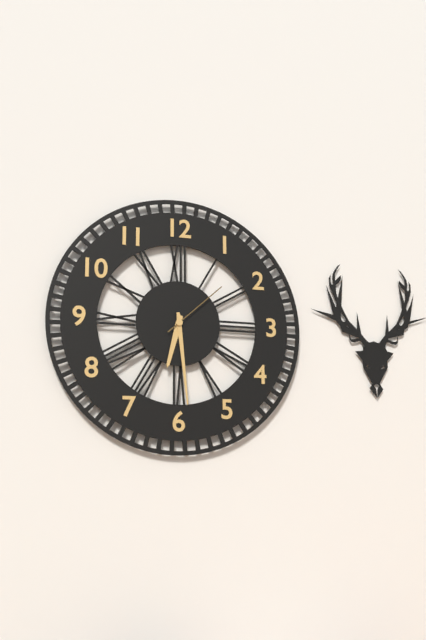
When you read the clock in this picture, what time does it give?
6:29:08
